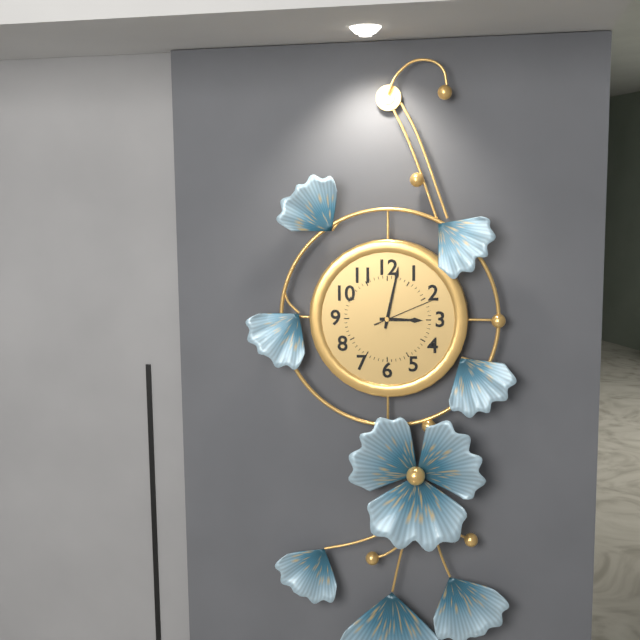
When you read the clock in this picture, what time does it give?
3:02:11
